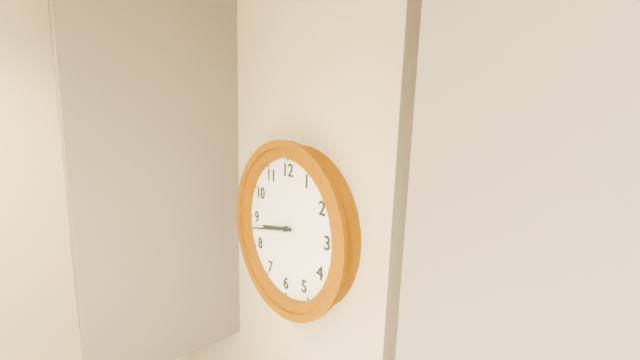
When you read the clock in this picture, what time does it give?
8:43
